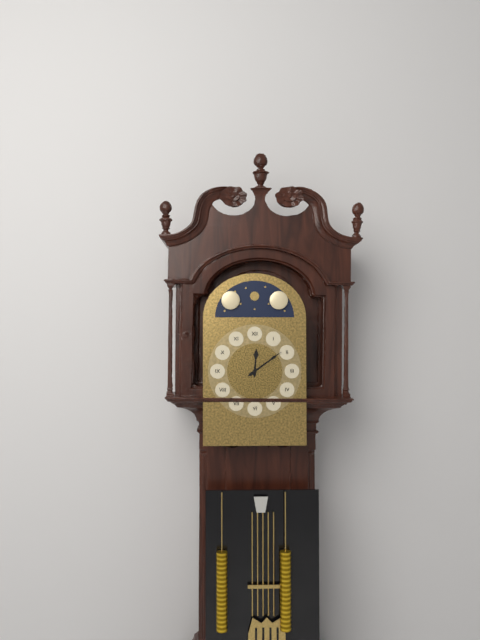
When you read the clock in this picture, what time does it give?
12:09
